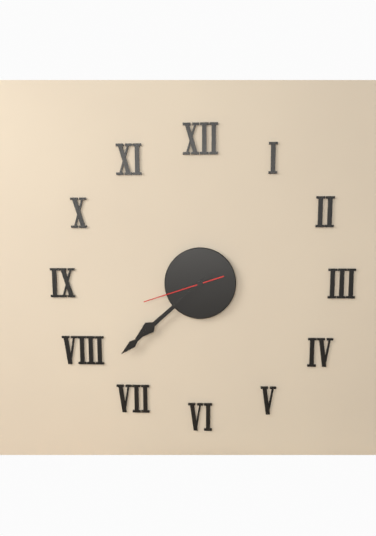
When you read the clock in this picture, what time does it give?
7:38:42
